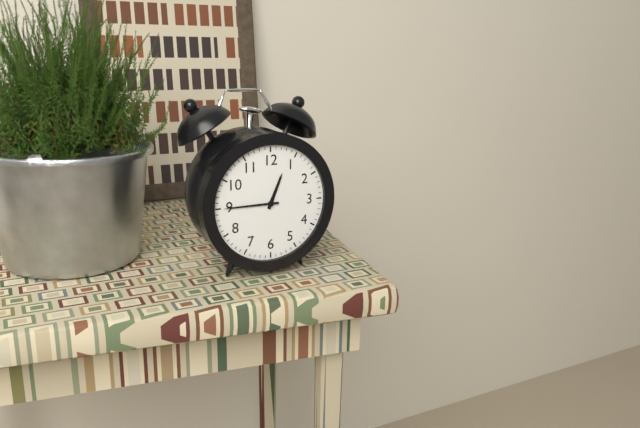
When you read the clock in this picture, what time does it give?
12:45
